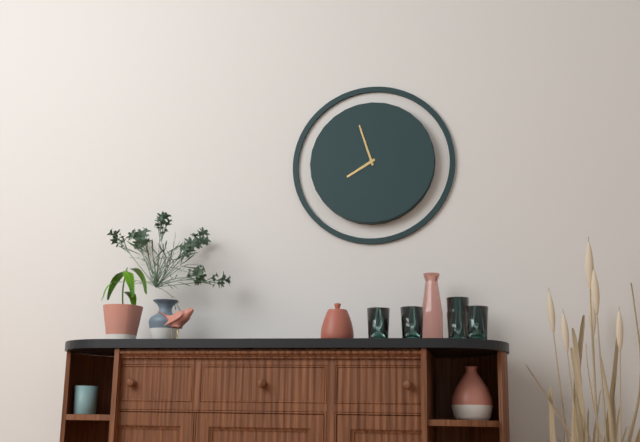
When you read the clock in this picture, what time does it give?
7:57
